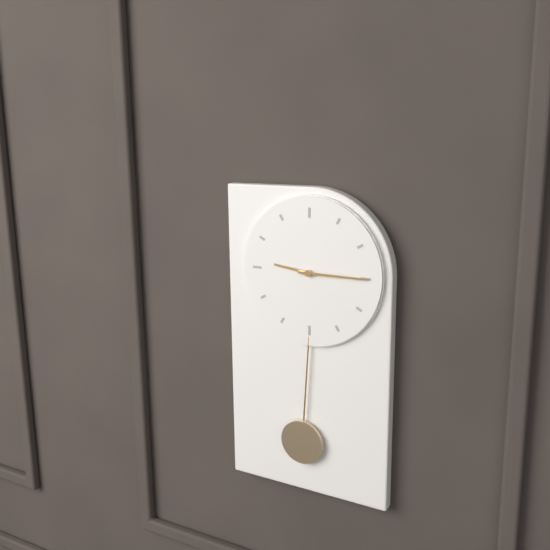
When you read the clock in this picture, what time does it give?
9:15
